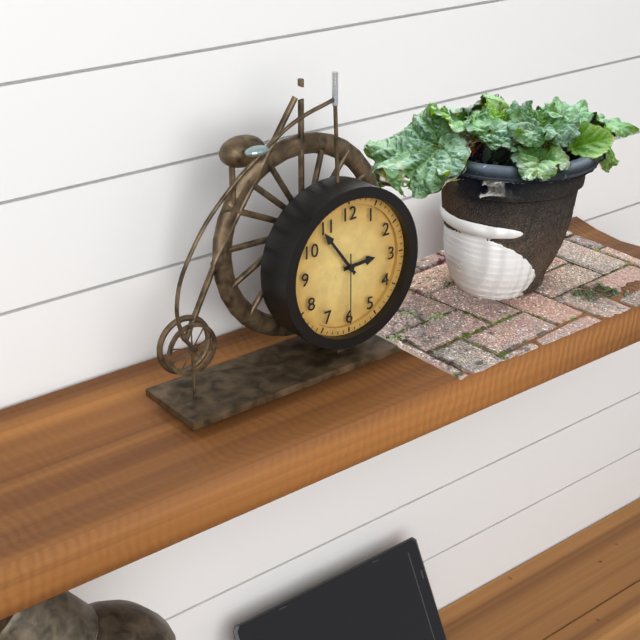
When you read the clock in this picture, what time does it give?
2:54:30
